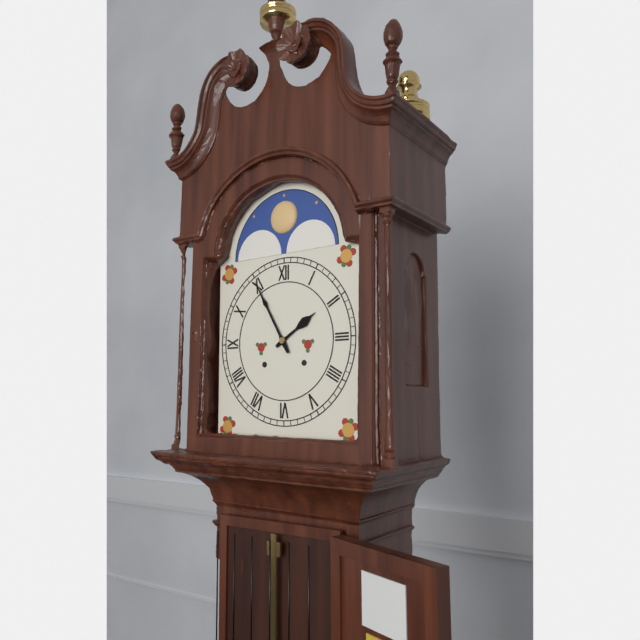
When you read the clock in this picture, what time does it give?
1:55
